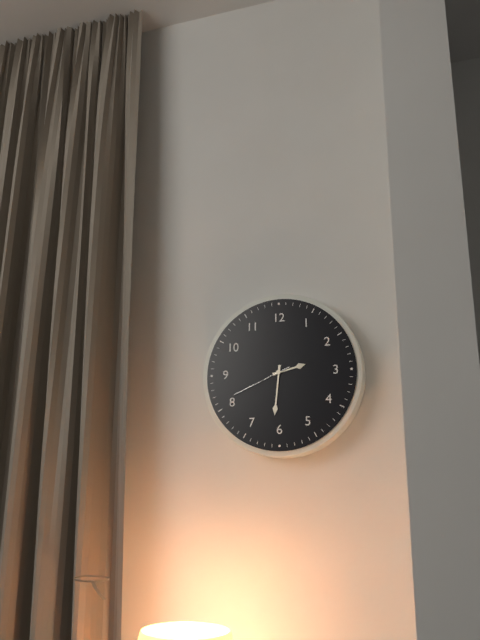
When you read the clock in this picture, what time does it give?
2:31:41
